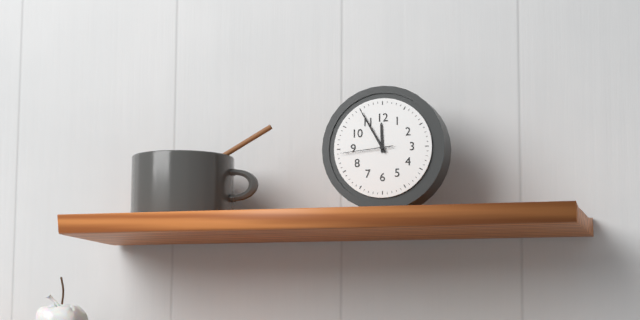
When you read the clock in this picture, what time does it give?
11:55:44
